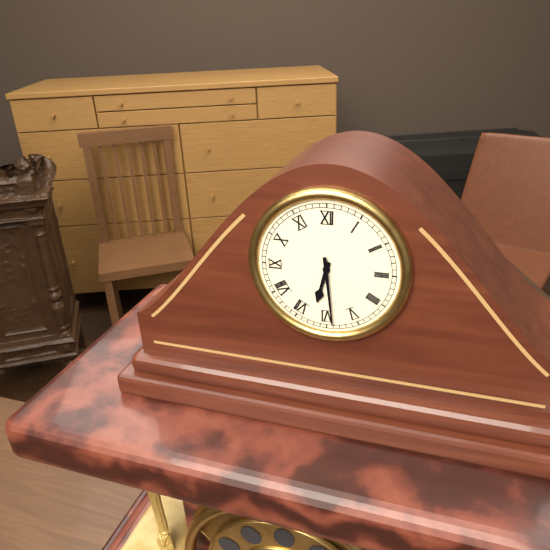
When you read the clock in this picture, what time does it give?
6:29
